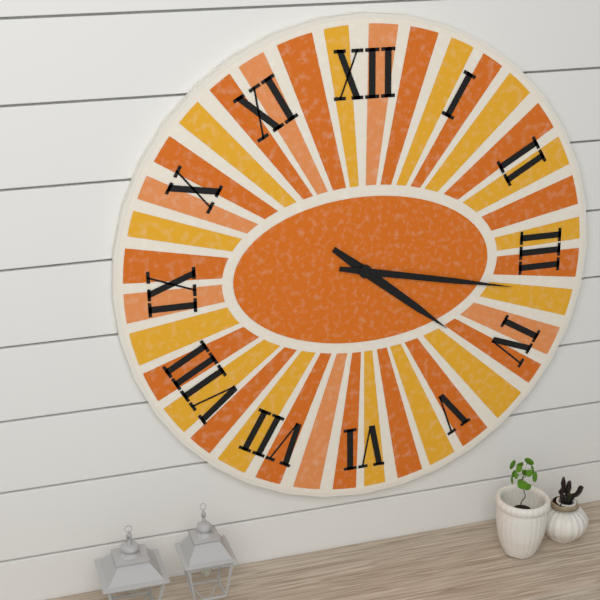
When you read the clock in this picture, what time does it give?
4:17
